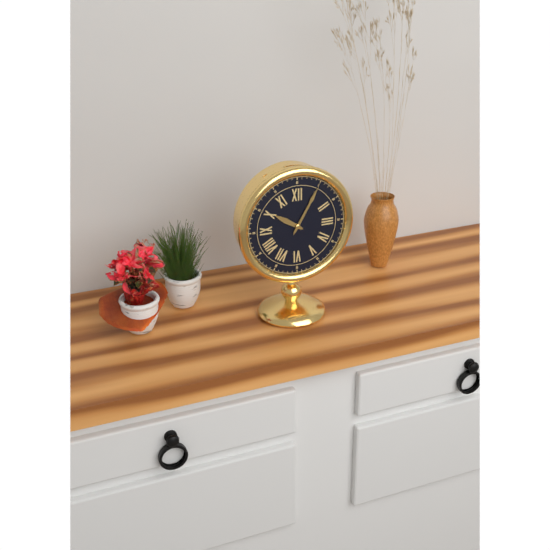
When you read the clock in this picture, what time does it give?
10:05
